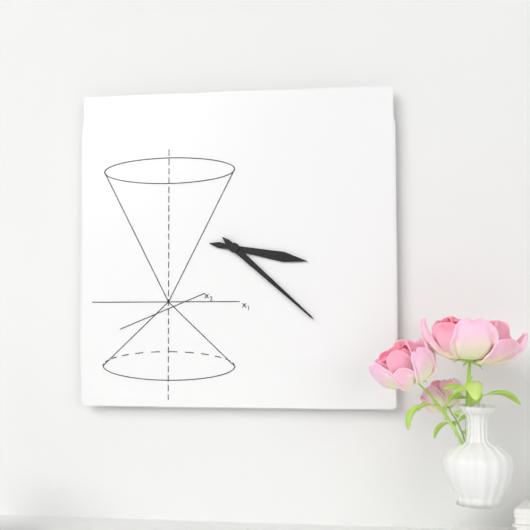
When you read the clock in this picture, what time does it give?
3:22
